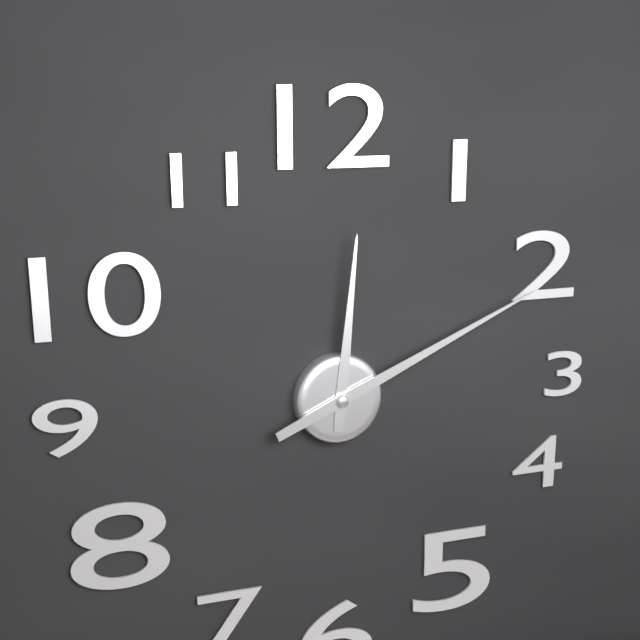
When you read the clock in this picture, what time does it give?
12:11
